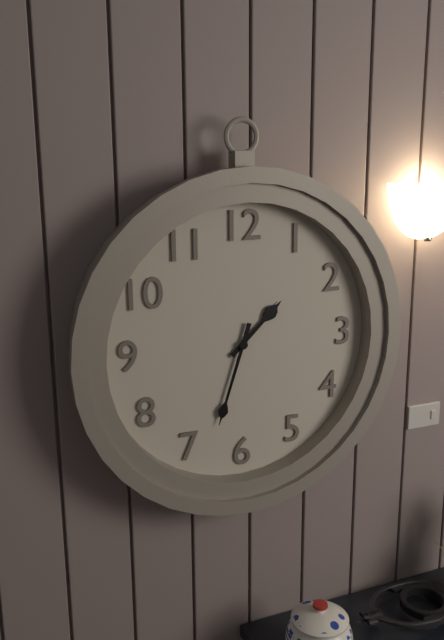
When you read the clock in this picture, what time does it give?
1:33
